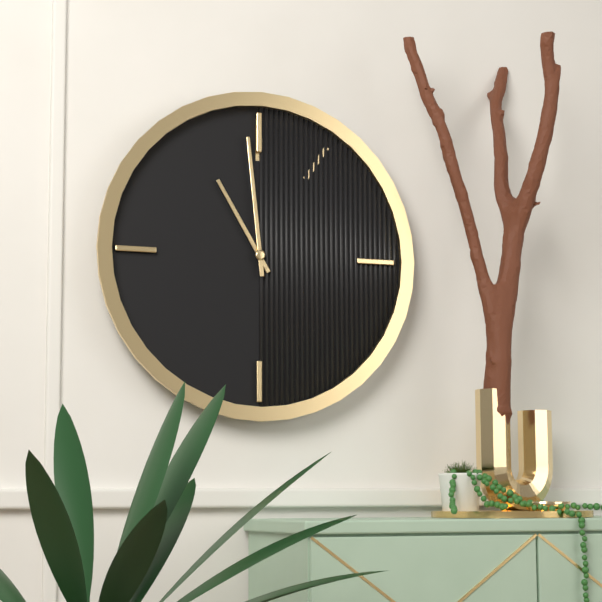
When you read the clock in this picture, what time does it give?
10:59
